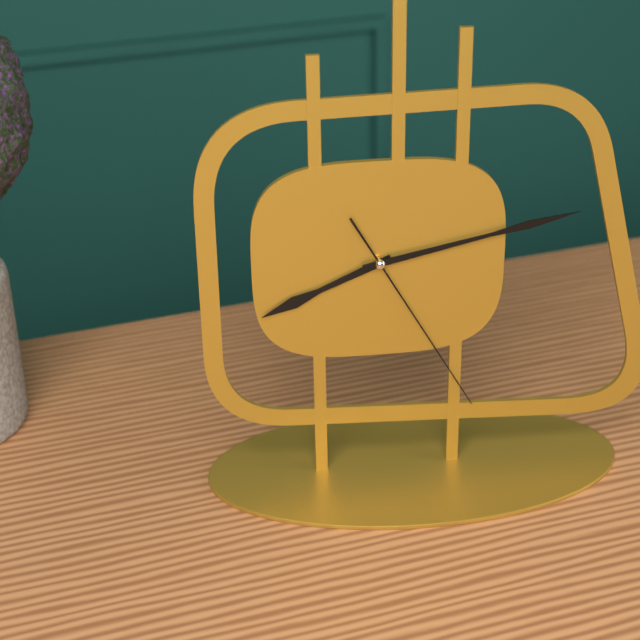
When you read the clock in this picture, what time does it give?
8:13:25
